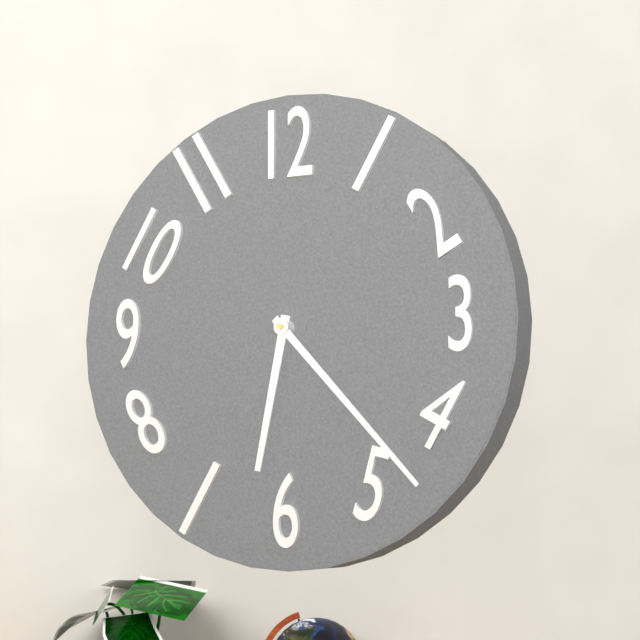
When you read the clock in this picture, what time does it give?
6:23
